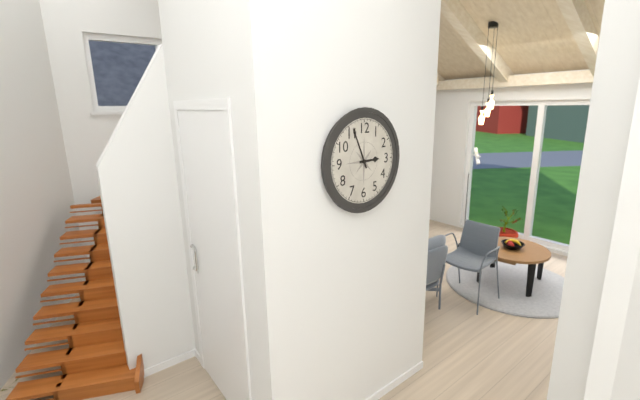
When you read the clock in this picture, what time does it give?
2:56
